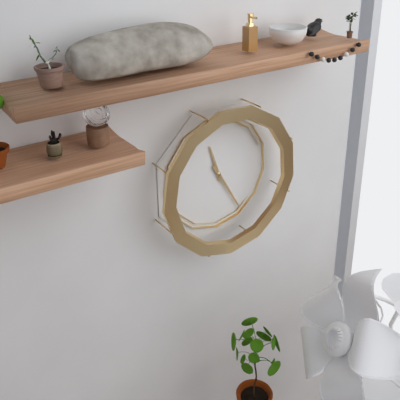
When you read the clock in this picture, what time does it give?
11:25
